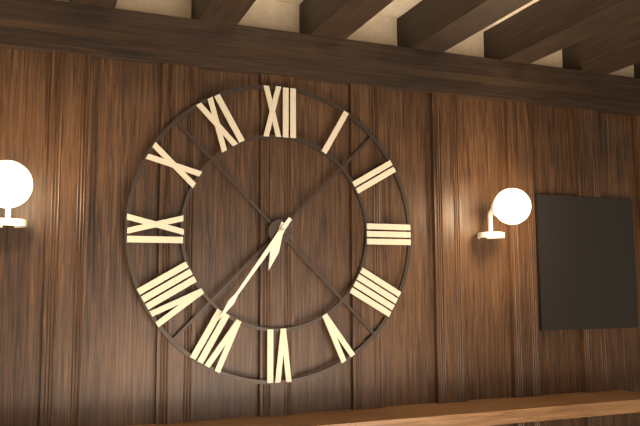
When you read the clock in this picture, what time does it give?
6:36
